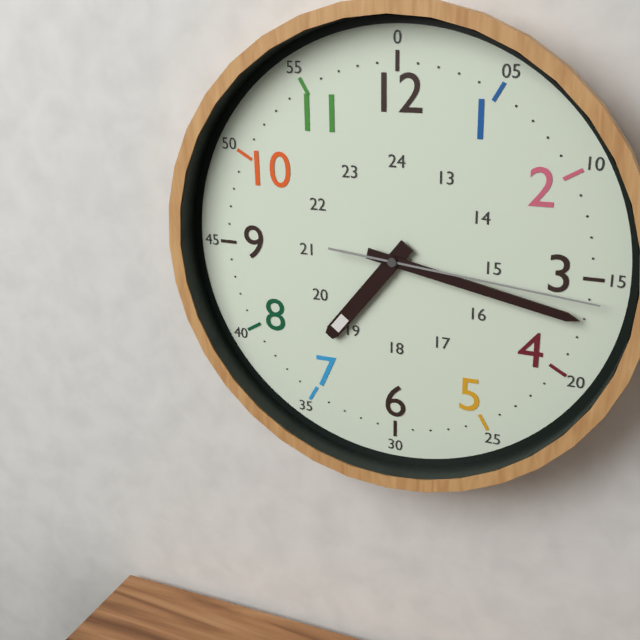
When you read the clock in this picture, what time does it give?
7:17:16
